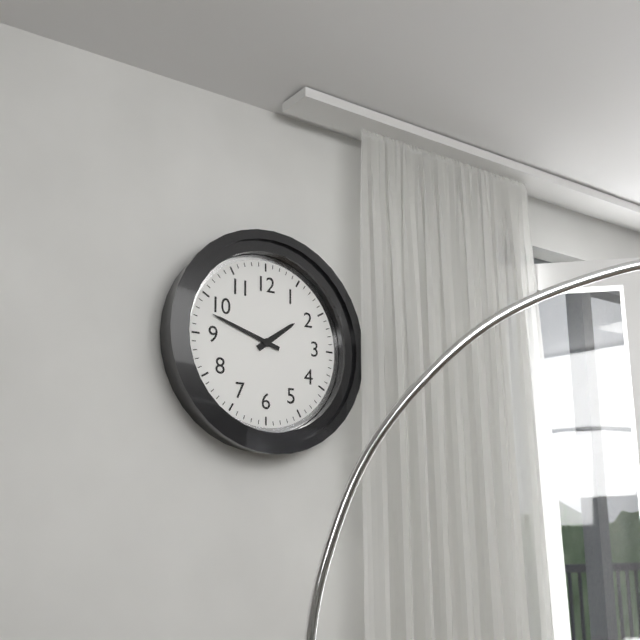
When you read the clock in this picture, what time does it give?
1:48
